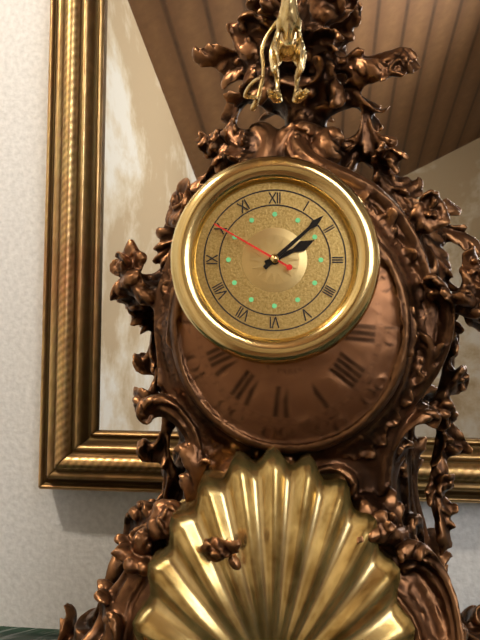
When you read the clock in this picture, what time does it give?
2:08:50
